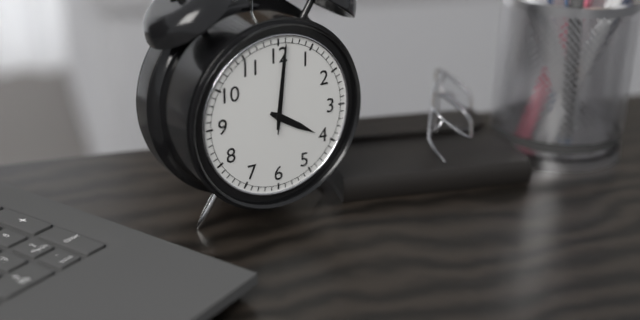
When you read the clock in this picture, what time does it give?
4:01:01
